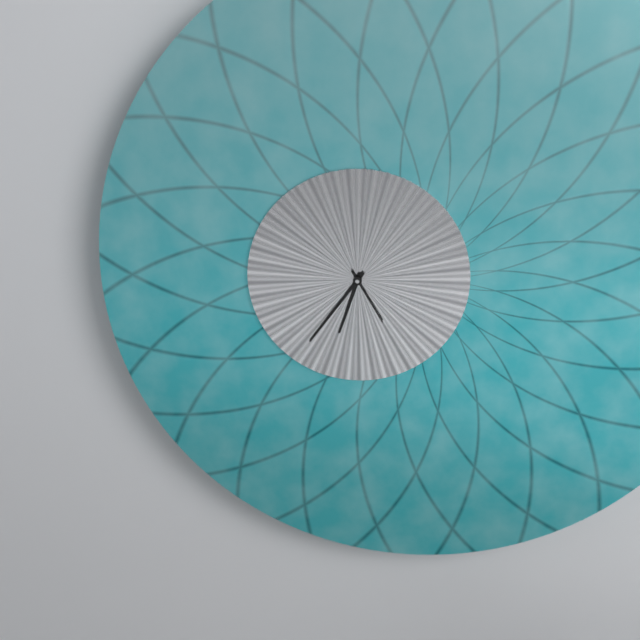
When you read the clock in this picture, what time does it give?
6:36:25
